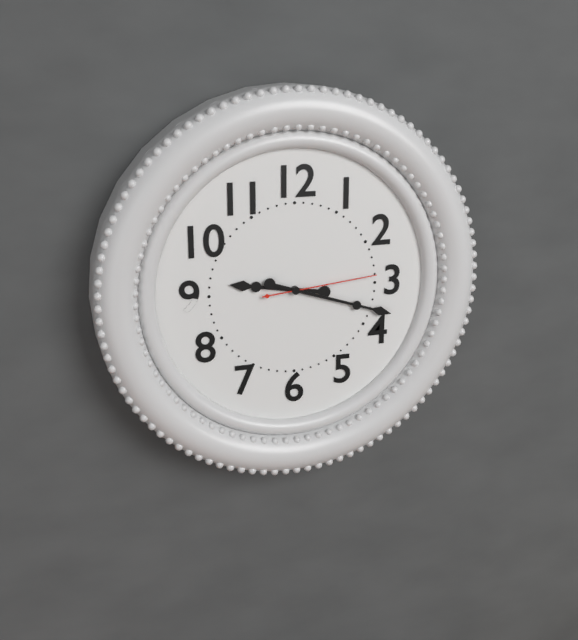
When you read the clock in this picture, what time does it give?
9:18:14
